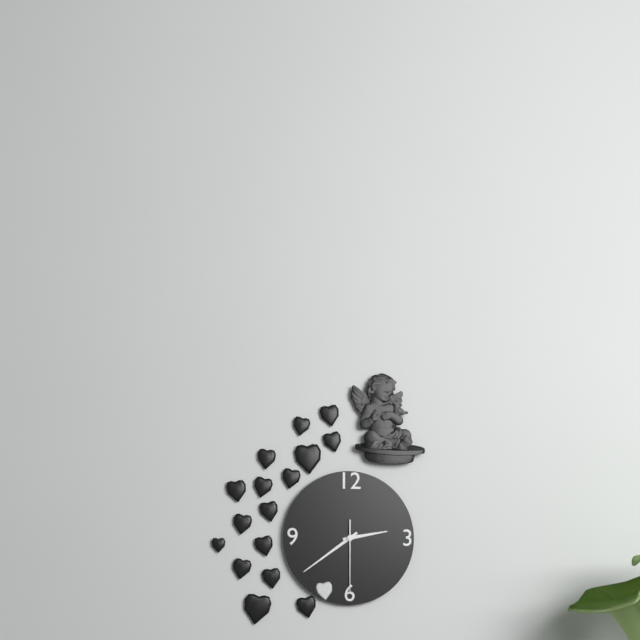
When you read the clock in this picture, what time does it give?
2:39:30
